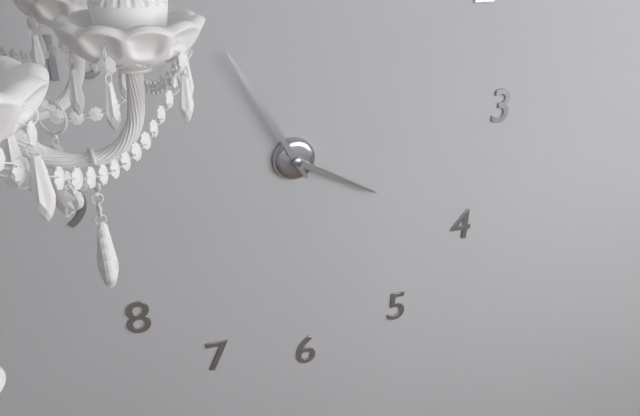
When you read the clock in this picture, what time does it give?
3:55
